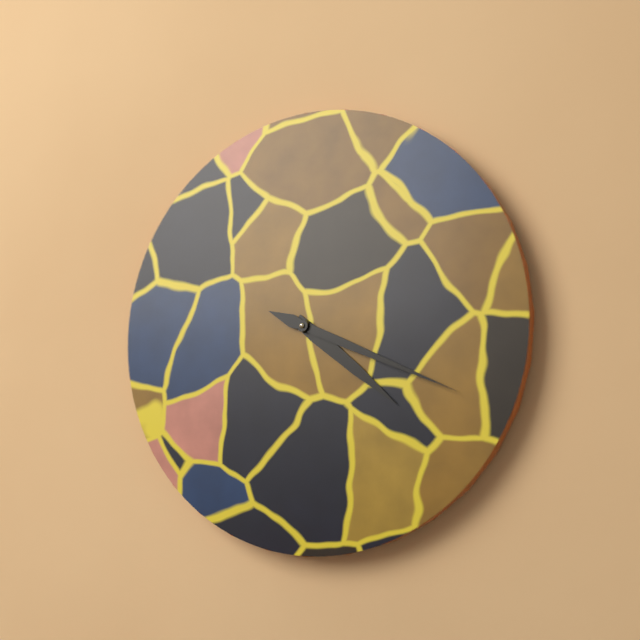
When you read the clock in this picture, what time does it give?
4:19
